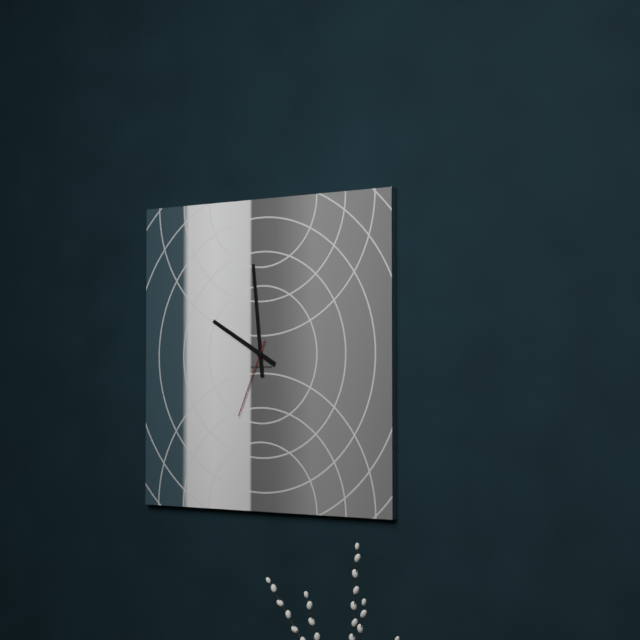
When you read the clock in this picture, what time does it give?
9:59:34
